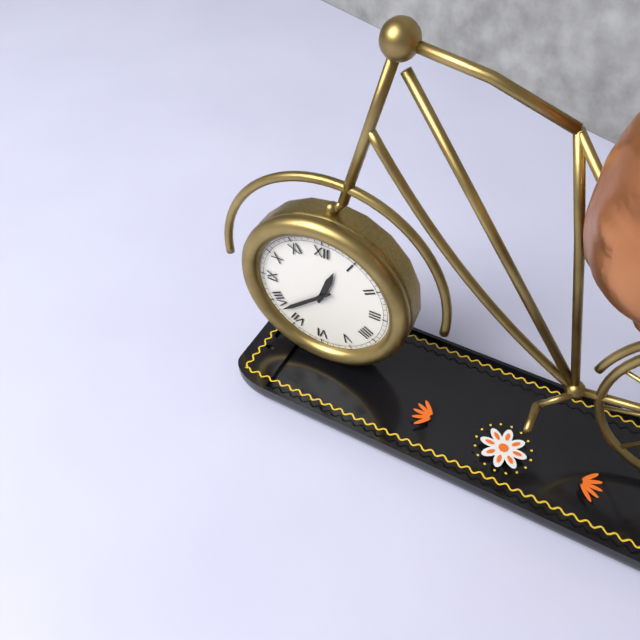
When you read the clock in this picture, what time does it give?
12:38
